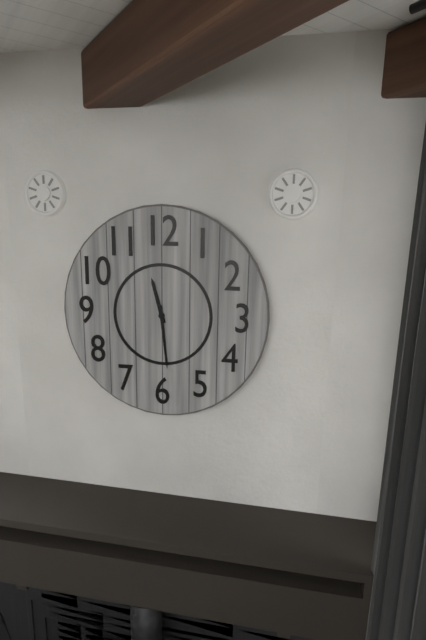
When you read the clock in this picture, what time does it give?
11:29
